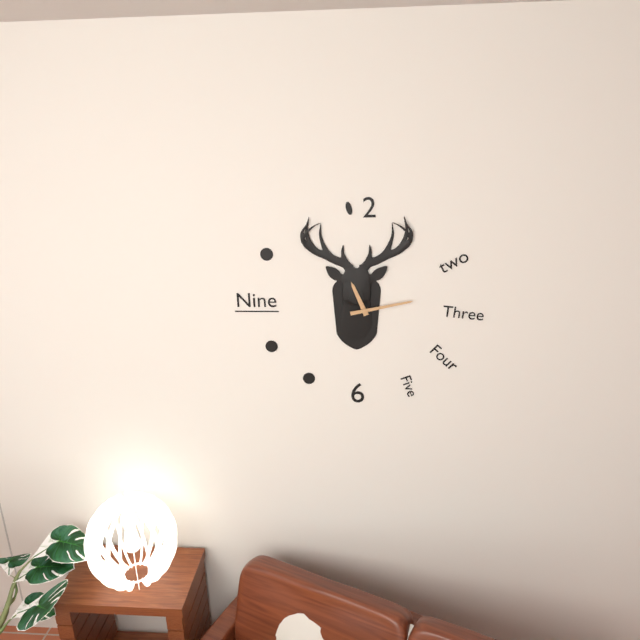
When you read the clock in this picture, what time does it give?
11:13
